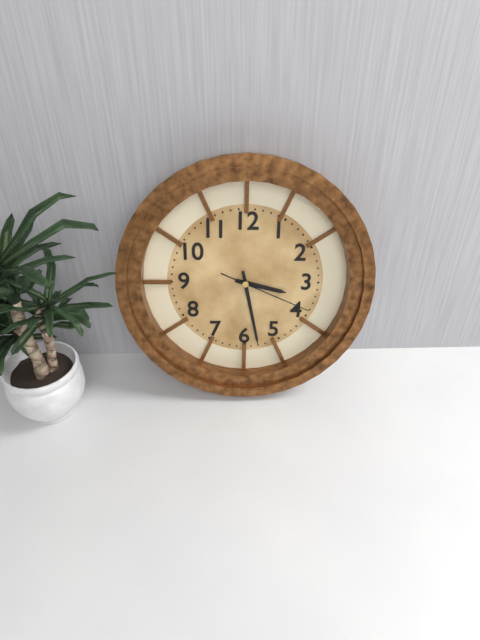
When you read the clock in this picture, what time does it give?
3:28:19
